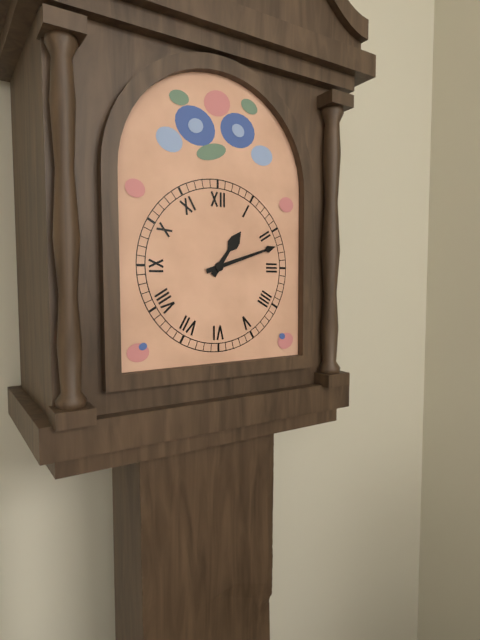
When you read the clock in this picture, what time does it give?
1:12
